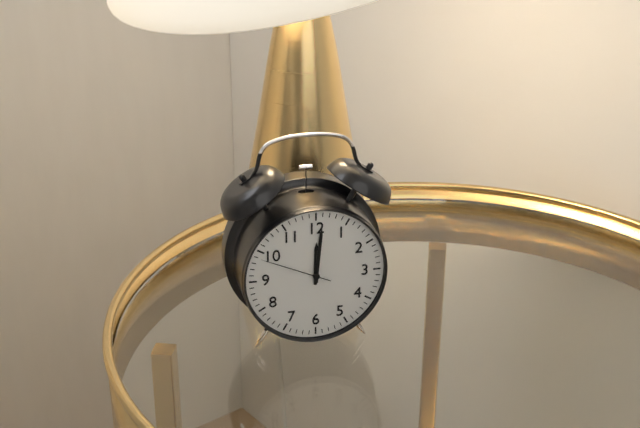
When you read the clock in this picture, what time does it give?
12:01:49
